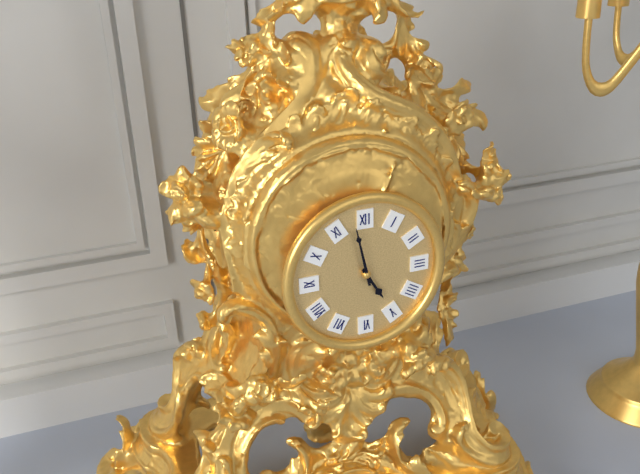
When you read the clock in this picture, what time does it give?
4:58
